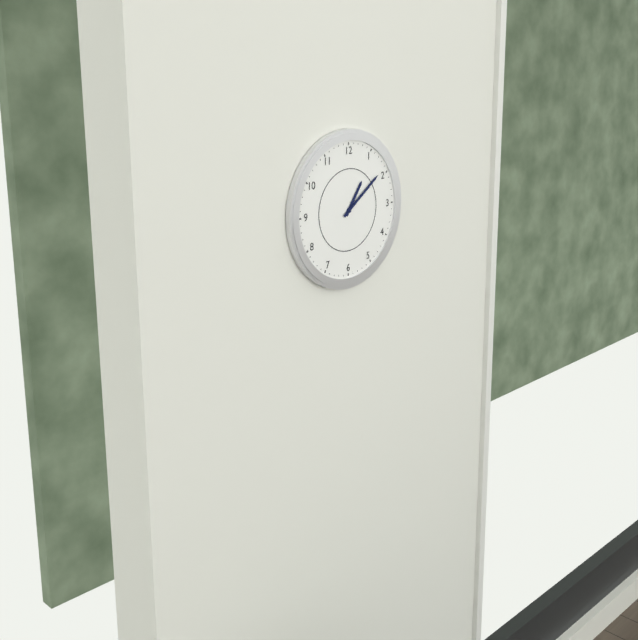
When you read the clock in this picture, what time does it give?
1:09
